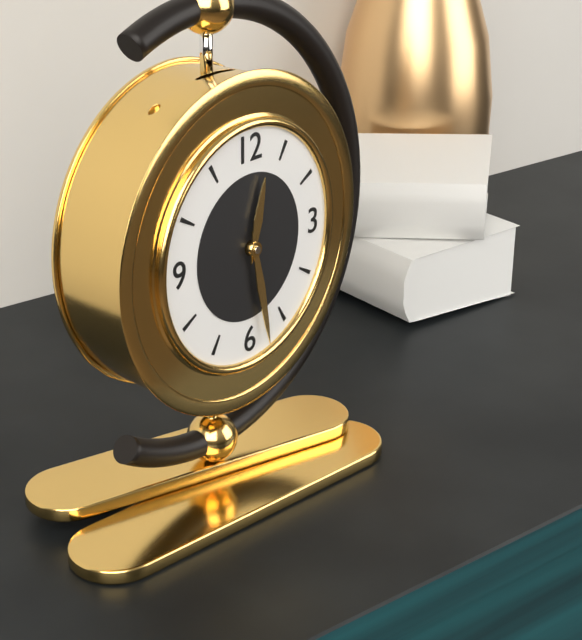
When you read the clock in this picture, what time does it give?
12:28
